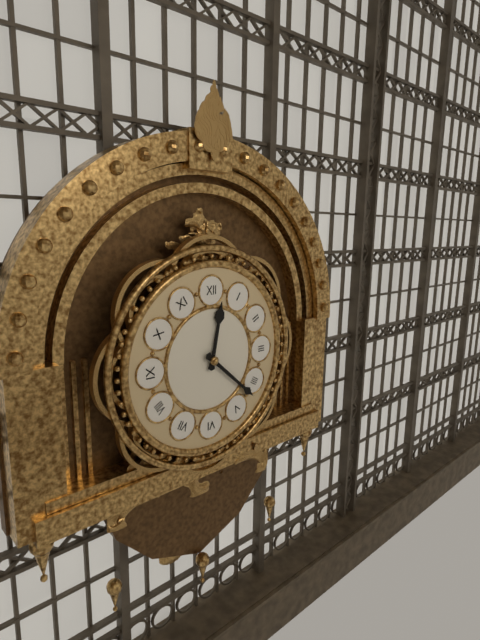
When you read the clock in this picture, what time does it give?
12:22
